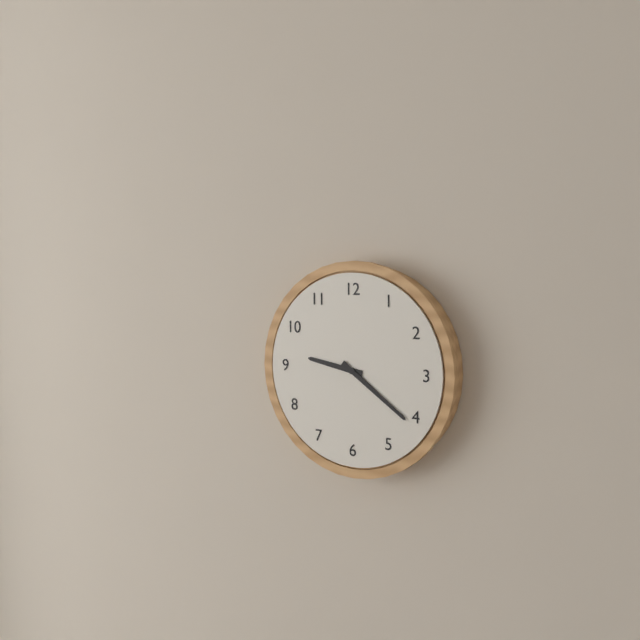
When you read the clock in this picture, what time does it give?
9:21
